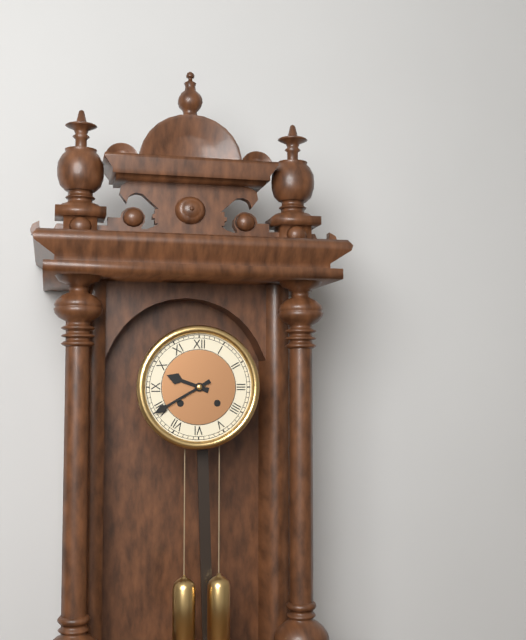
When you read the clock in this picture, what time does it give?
9:40
